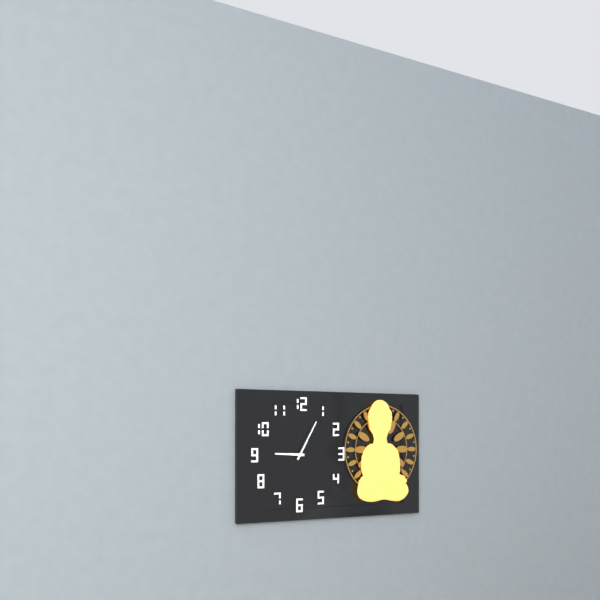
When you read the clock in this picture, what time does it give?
9:05
